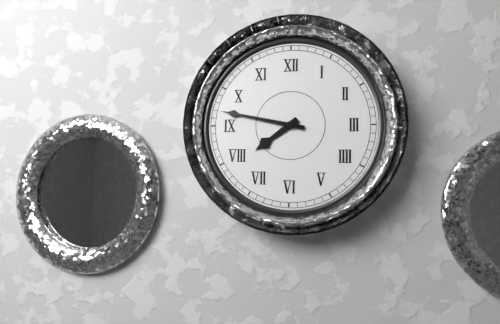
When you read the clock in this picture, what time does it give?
7:47
